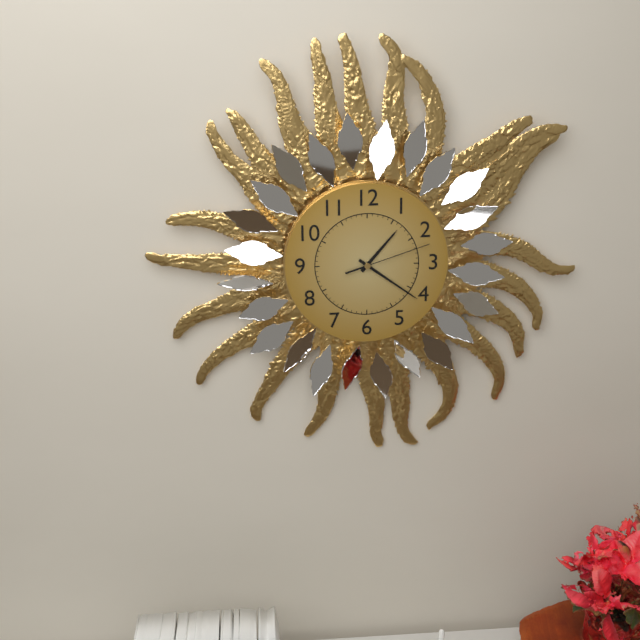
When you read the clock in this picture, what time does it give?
1:21:12
